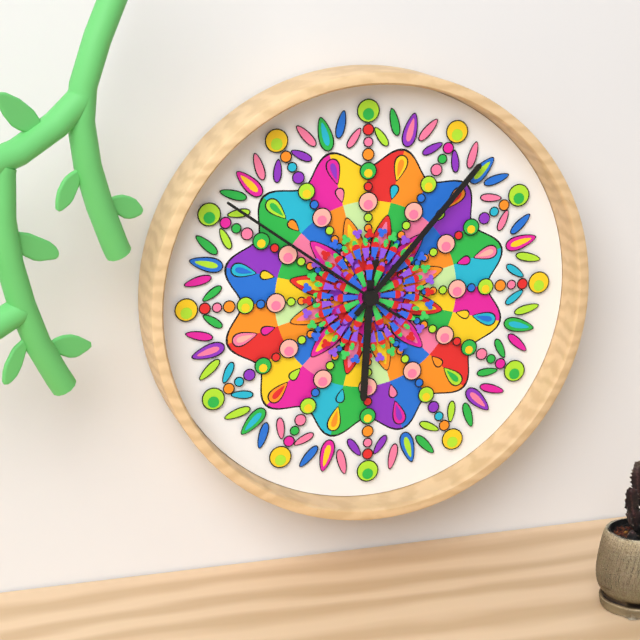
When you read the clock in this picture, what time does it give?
6:07:51
